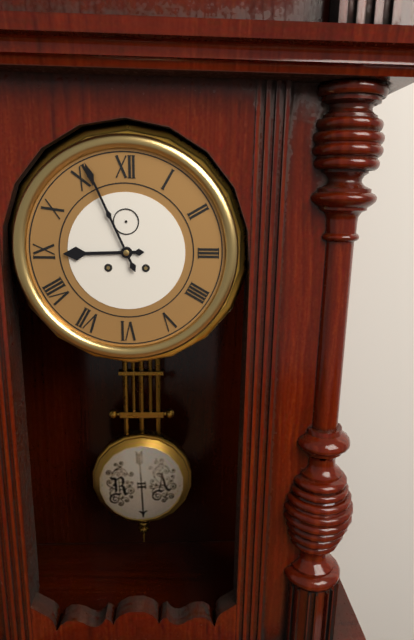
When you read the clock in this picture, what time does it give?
8:56
